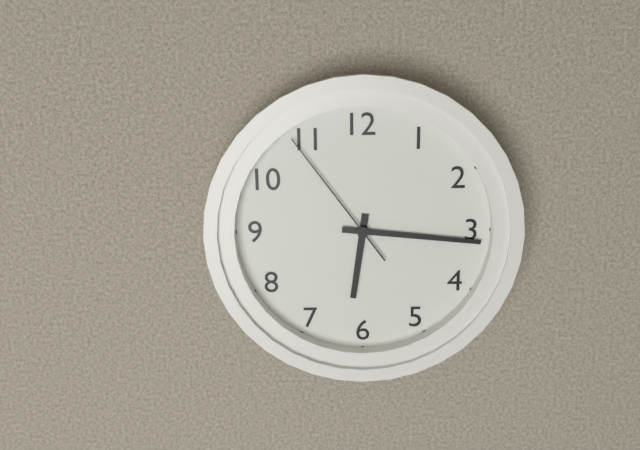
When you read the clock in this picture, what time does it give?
6:16:54
